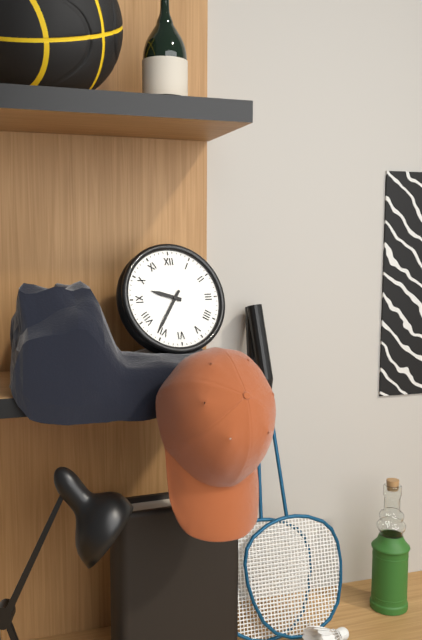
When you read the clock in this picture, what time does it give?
9:36
